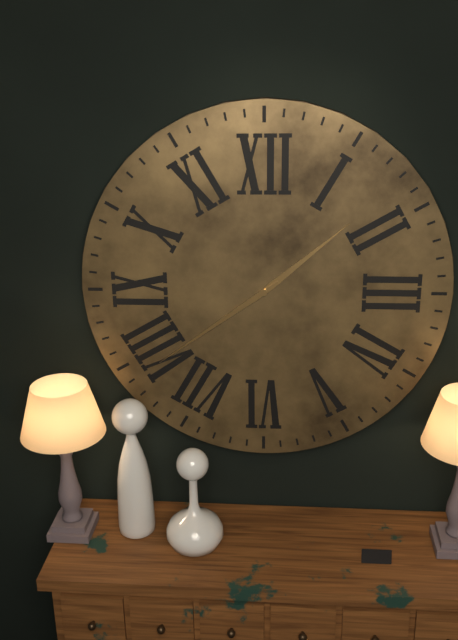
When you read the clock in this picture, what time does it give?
1:39
